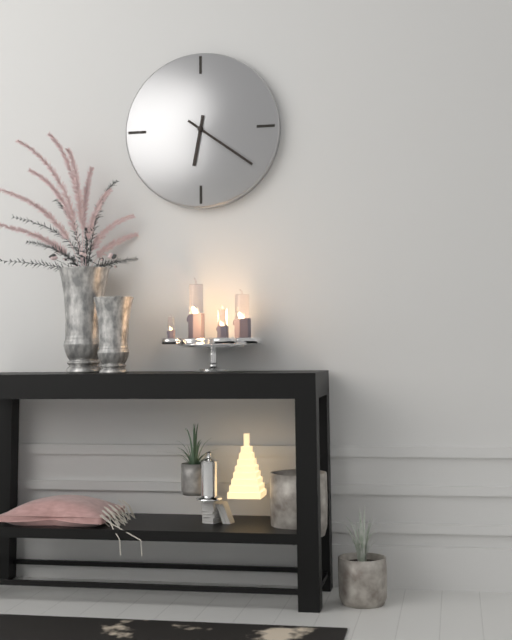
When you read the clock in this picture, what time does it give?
6:21
